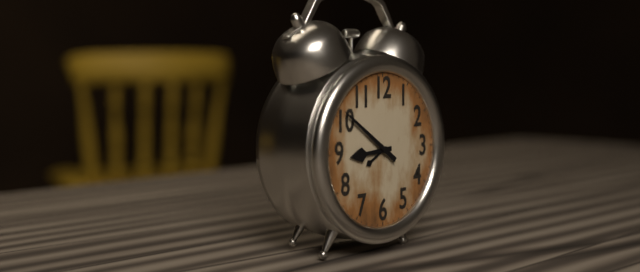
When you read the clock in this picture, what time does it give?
8:51
